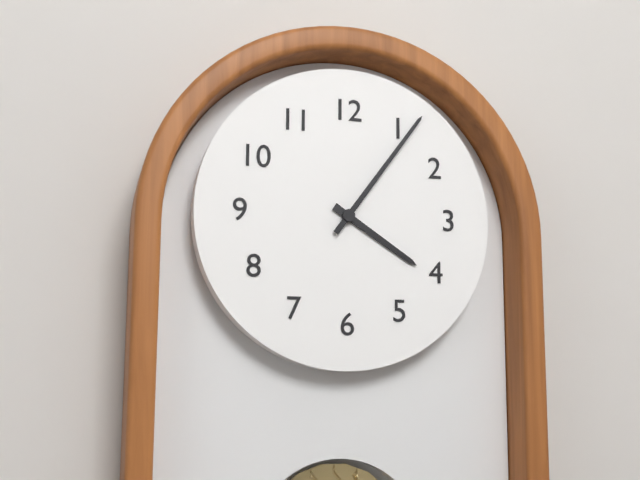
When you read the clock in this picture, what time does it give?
4:06
